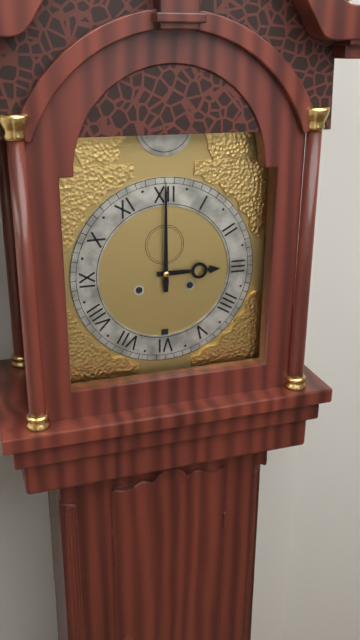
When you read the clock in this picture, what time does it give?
3:00
